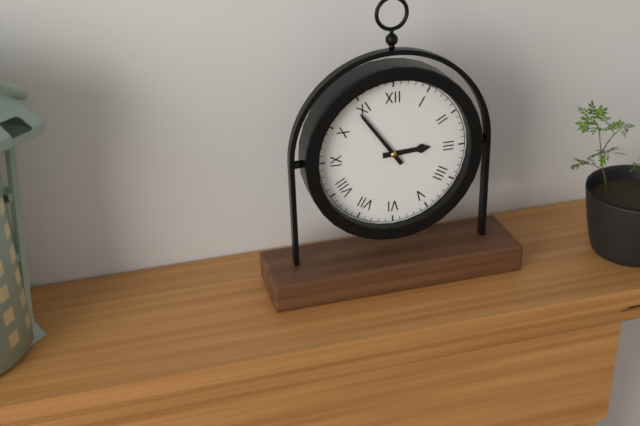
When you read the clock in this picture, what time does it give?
2:54
